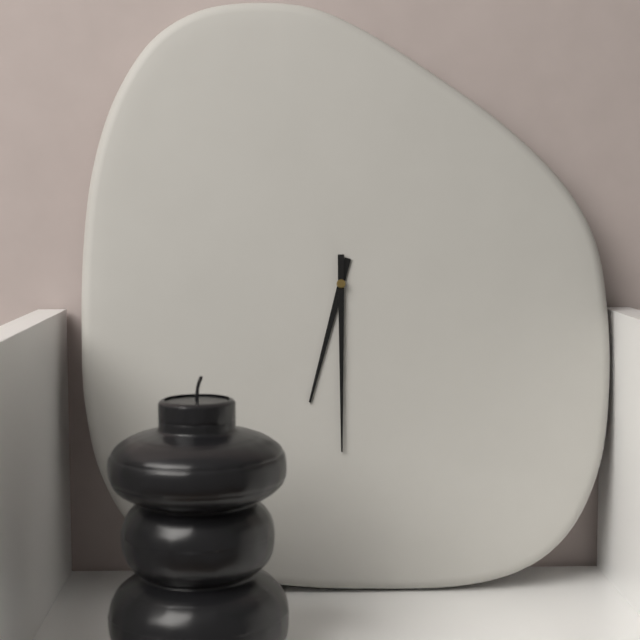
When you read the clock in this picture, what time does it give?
6:30
